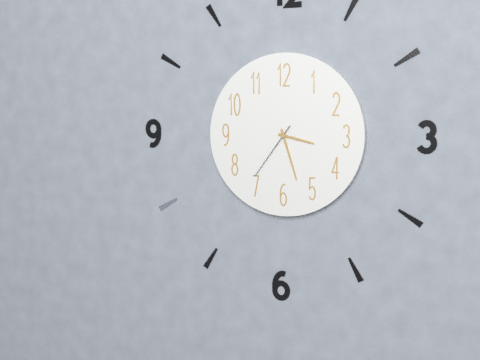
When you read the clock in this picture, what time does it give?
3:27:36
